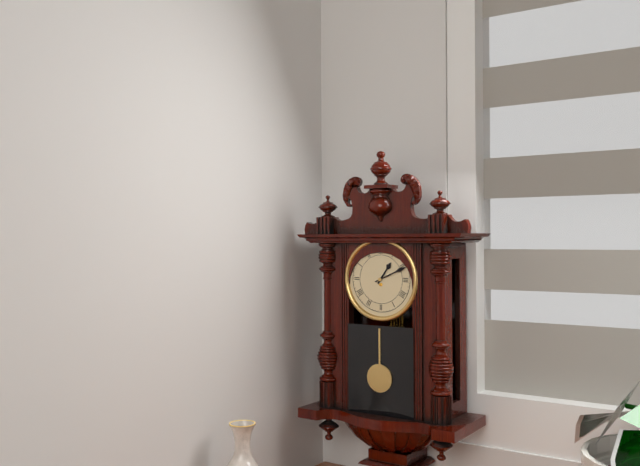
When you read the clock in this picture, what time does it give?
1:11
